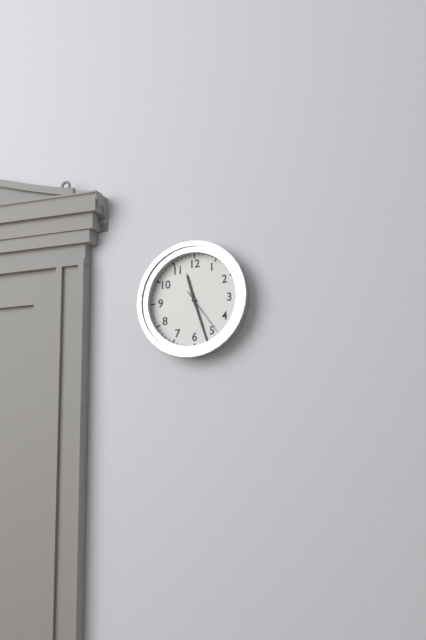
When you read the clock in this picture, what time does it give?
11:27
